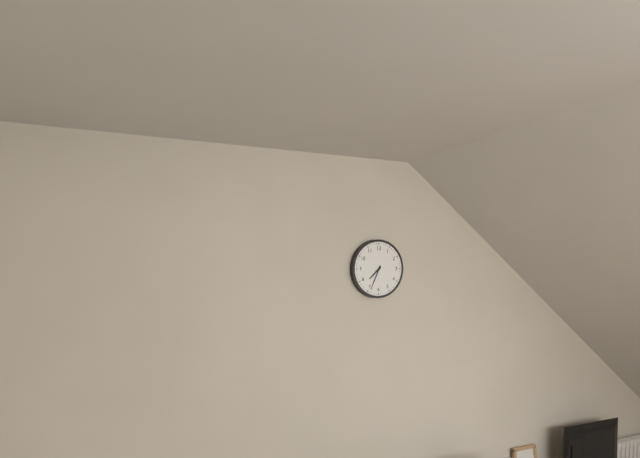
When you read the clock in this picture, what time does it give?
7:34
